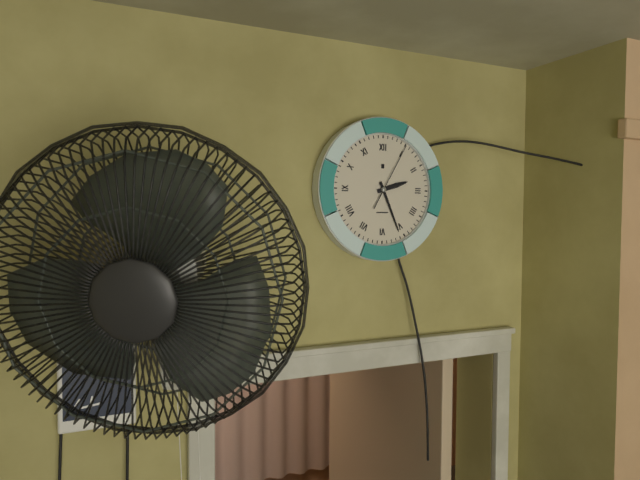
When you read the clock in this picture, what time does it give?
2:26:05
